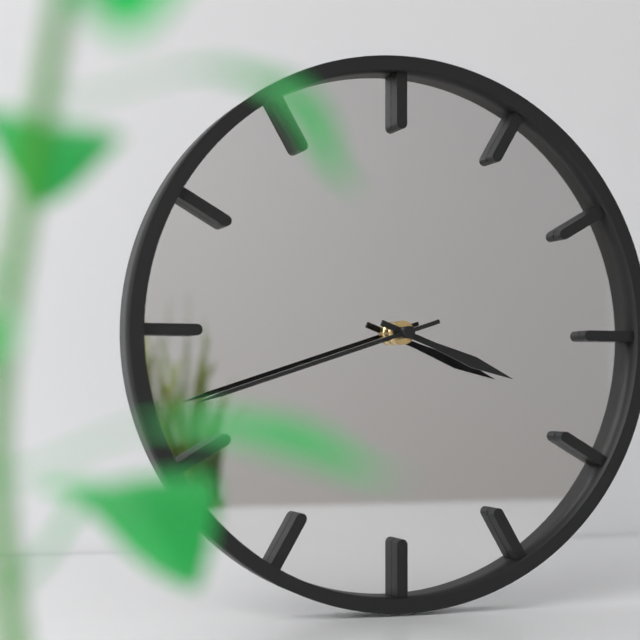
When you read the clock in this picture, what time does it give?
3:42
